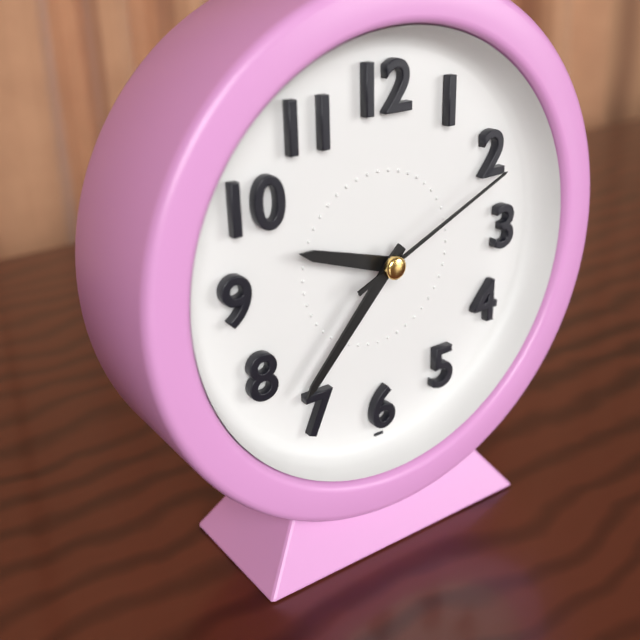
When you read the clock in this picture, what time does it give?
9:37:11
